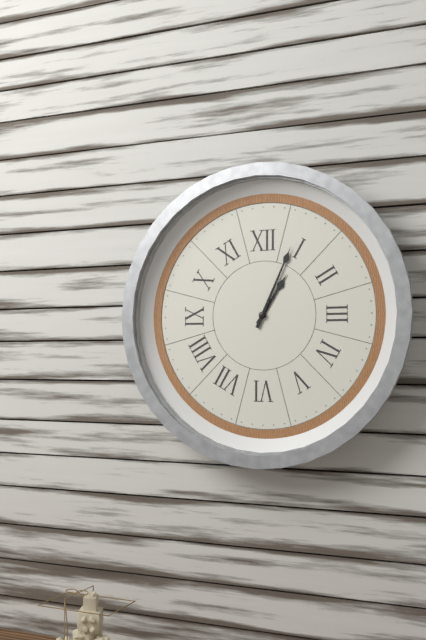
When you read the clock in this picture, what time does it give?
1:04
